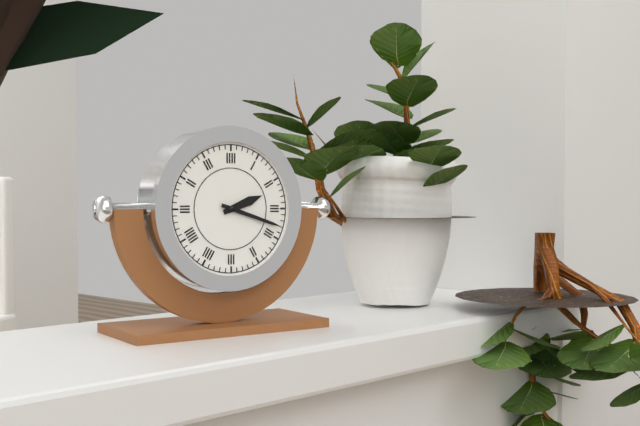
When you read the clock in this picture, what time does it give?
2:18
